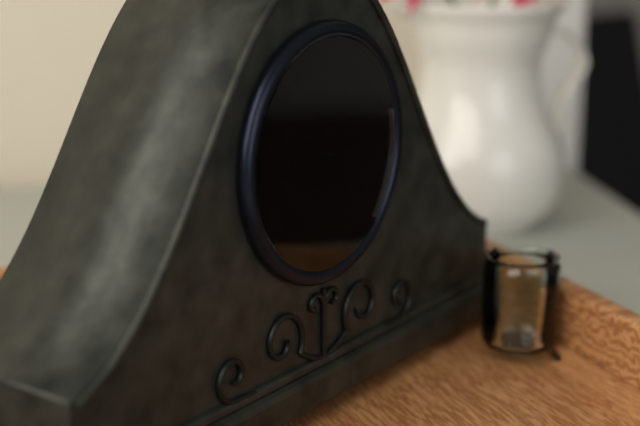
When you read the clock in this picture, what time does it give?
10:11
